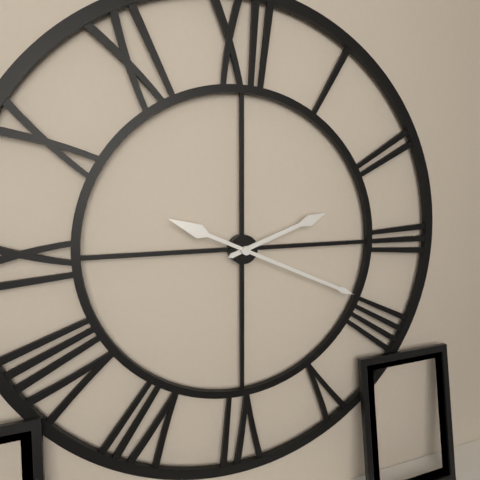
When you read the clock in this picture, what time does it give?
2:19
